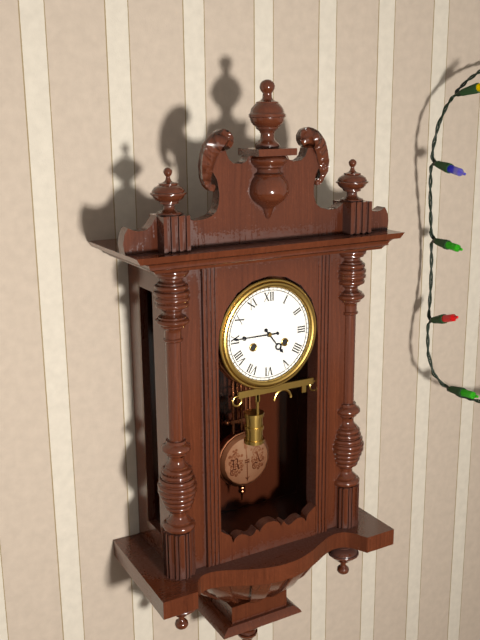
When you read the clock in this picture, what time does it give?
4:45
